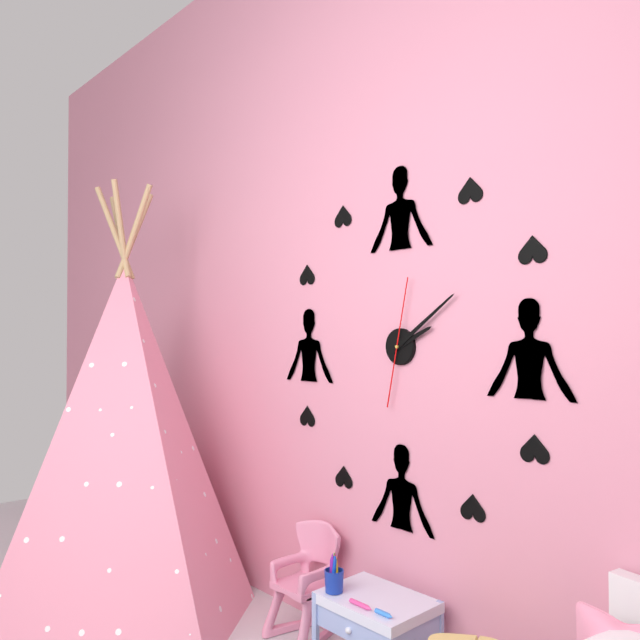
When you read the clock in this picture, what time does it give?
2:09:02
